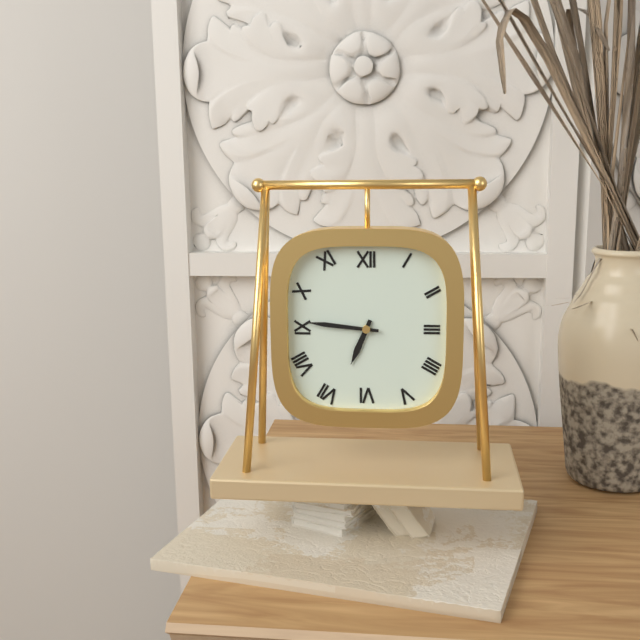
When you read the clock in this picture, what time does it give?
6:46
